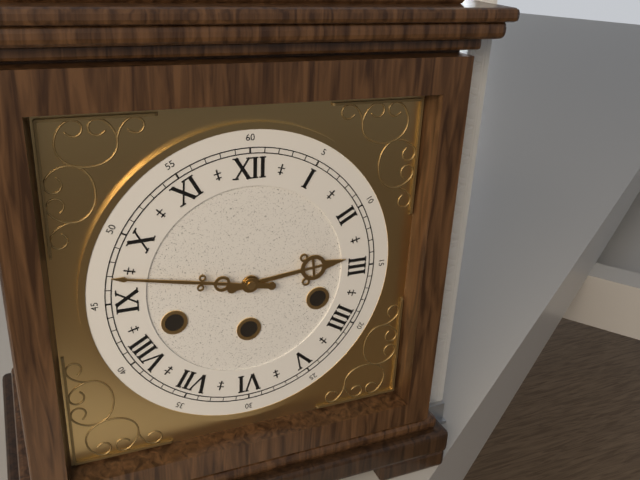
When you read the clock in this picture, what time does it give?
2:47
